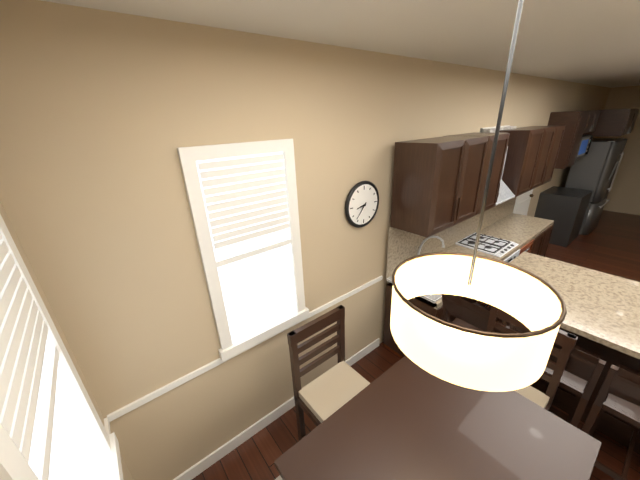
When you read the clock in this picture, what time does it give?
8:37
